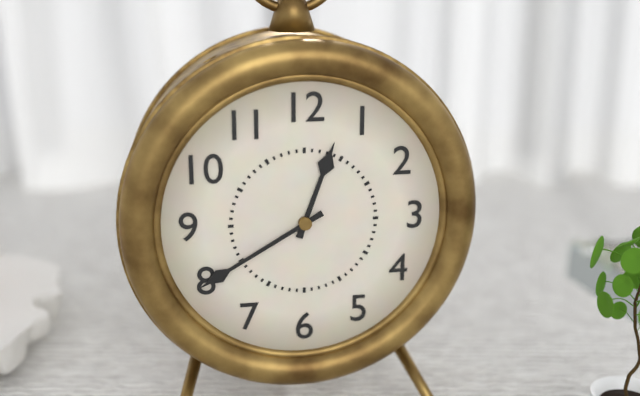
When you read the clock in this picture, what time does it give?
12:40
